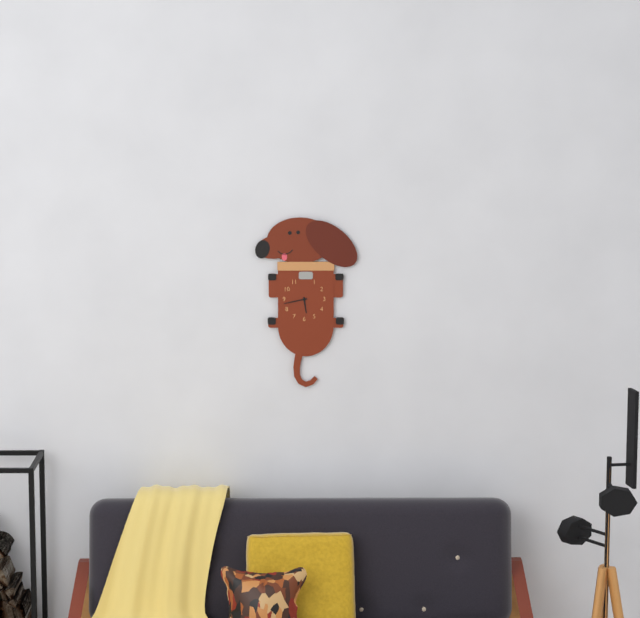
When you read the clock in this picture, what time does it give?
5:43
